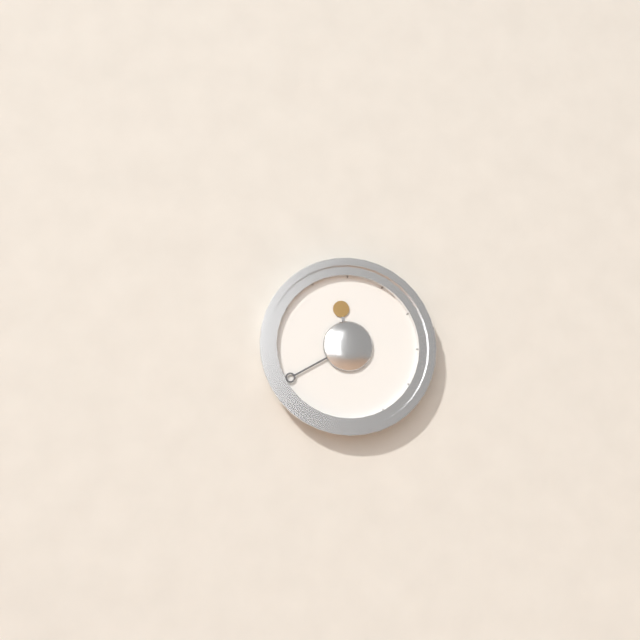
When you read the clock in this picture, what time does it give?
11:40
